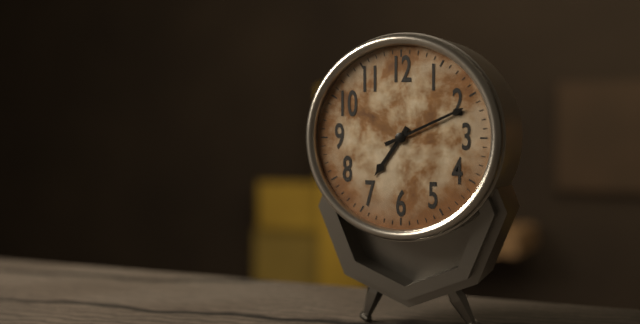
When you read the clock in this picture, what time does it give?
7:11
